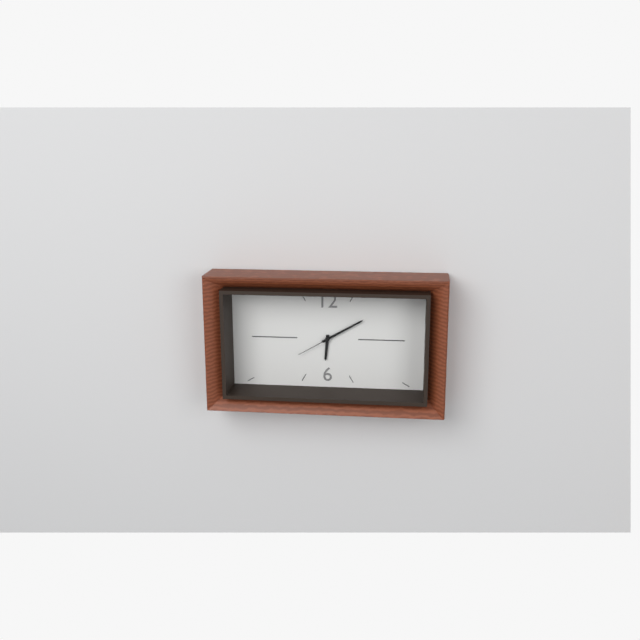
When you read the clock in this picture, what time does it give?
6:10
